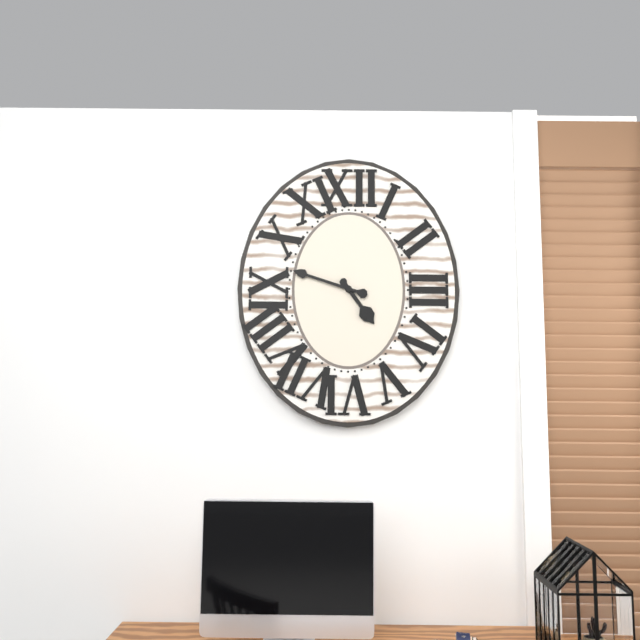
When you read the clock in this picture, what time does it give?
4:48
